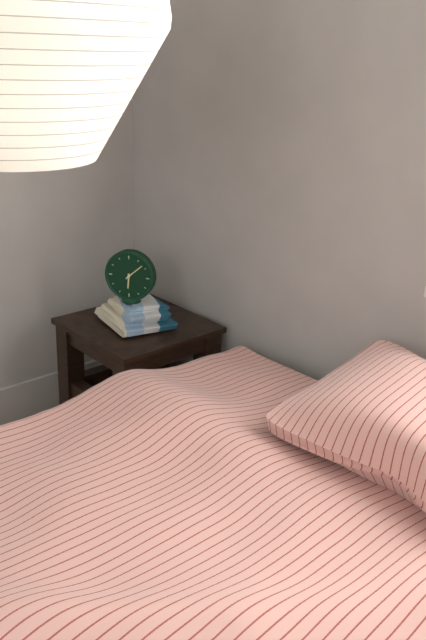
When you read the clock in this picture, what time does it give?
6:08
